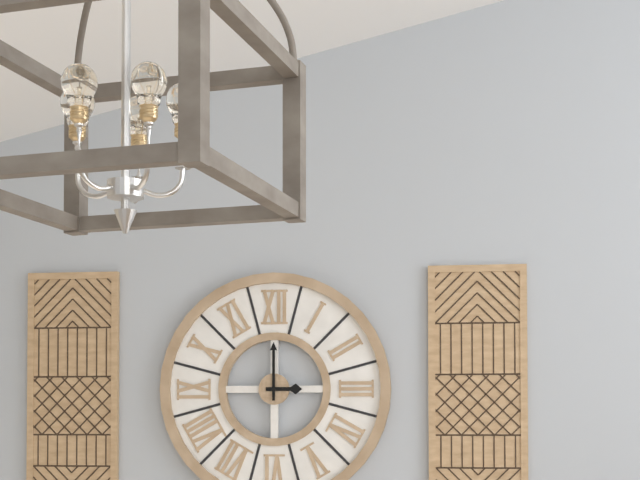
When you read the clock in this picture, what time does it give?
3:00
